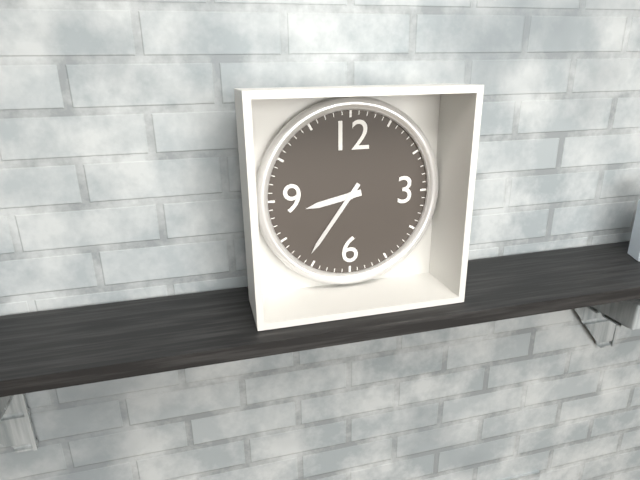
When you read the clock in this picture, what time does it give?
8:36
